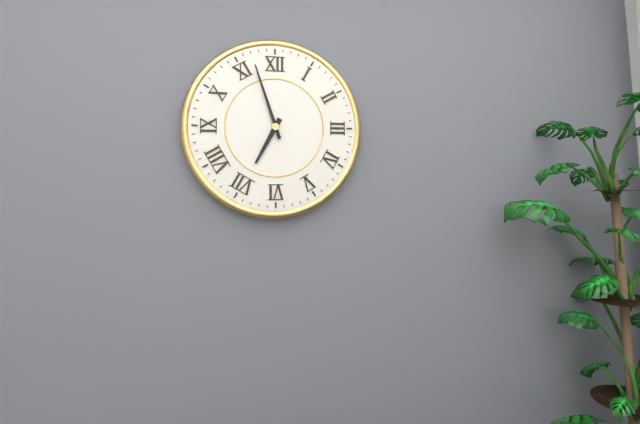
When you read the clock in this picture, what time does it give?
6:57
